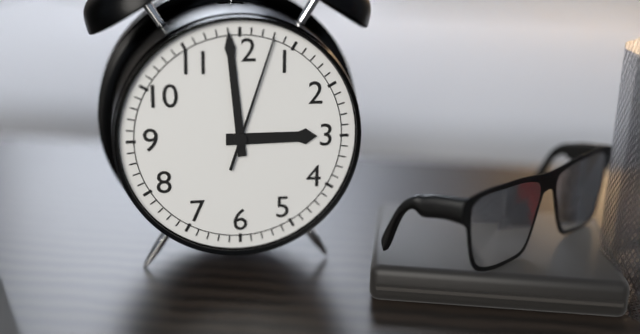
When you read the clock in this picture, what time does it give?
2:59:03
